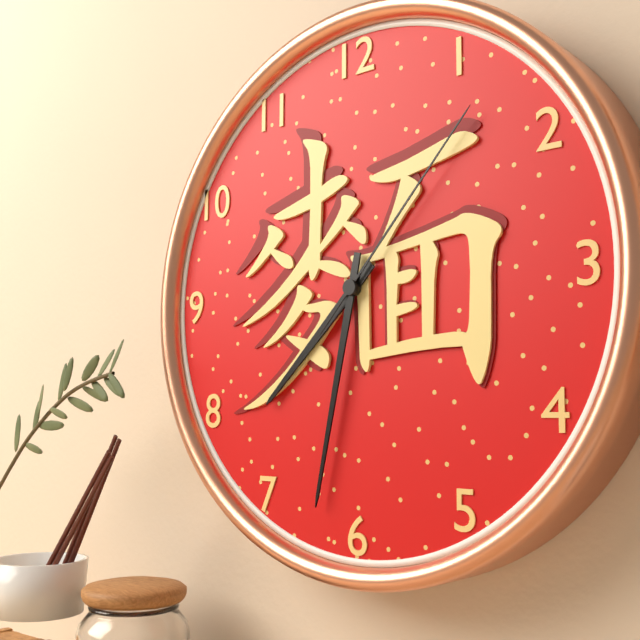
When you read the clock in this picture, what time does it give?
7:32:07
